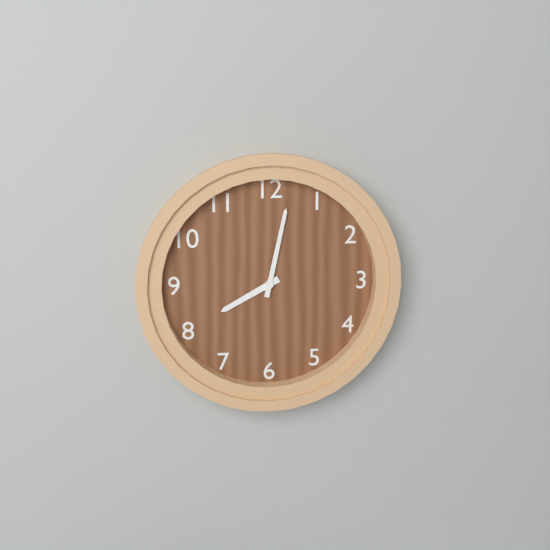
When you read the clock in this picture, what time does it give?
8:02
